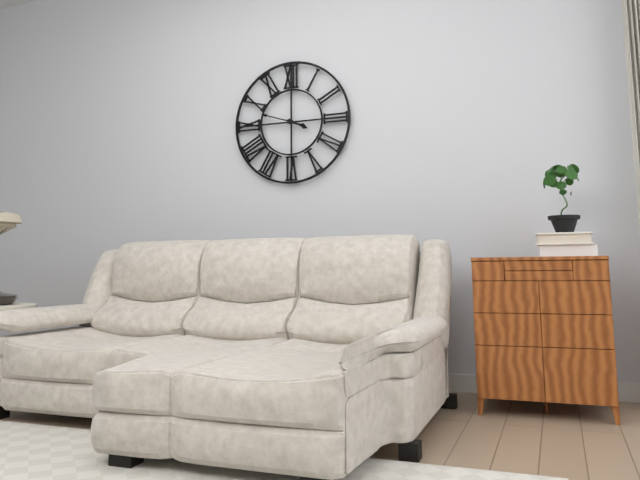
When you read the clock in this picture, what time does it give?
3:48
